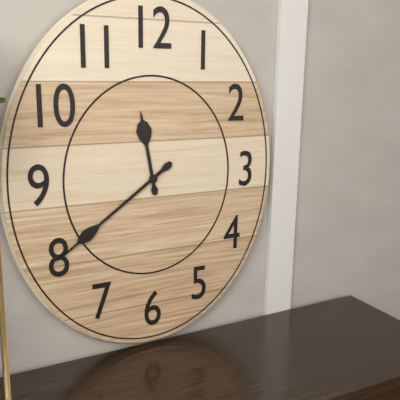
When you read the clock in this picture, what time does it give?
11:39
